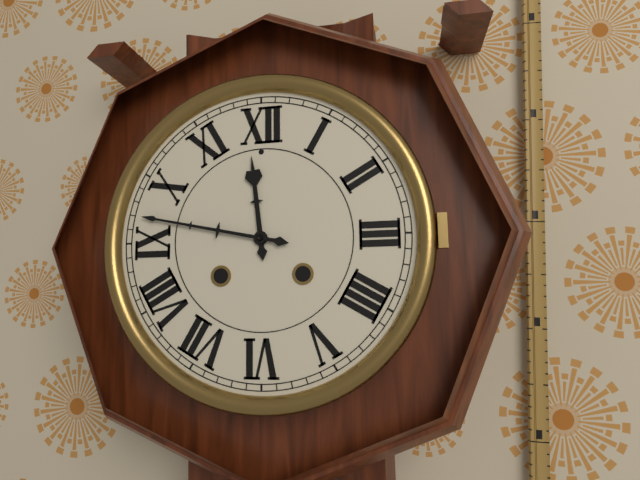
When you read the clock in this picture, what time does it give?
11:47
